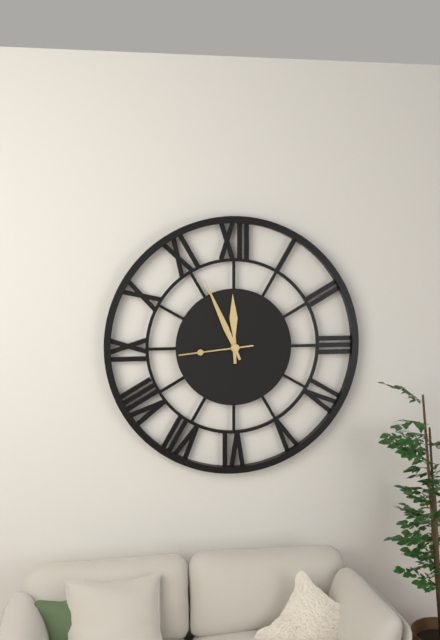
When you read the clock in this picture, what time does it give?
11:56:44
